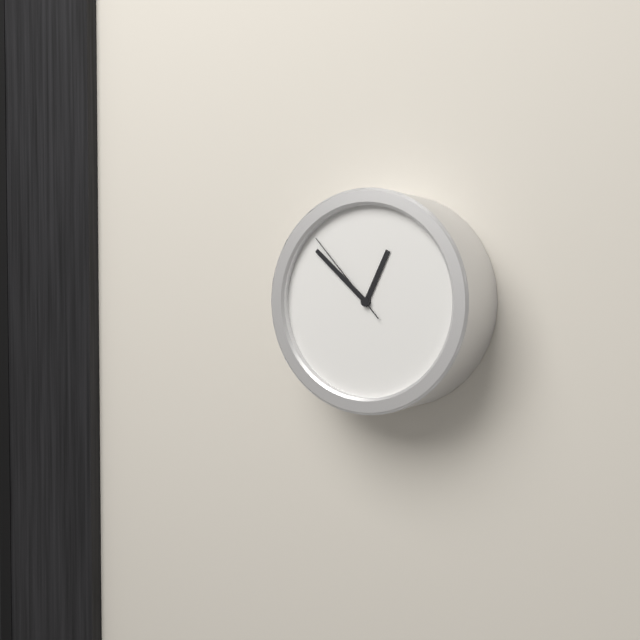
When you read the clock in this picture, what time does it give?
12:52:53
